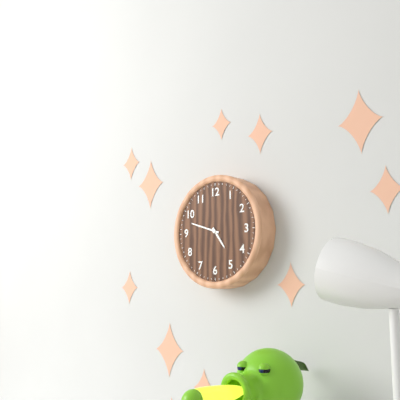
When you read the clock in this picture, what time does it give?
4:48
